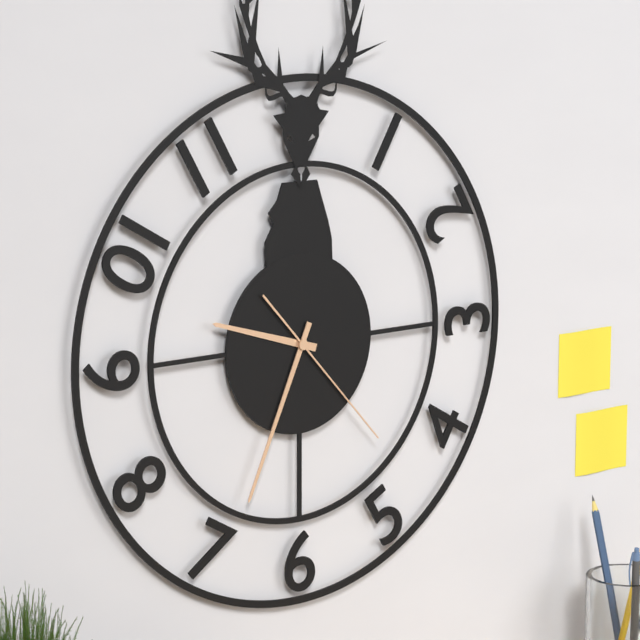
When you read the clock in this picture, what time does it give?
9:34:23
